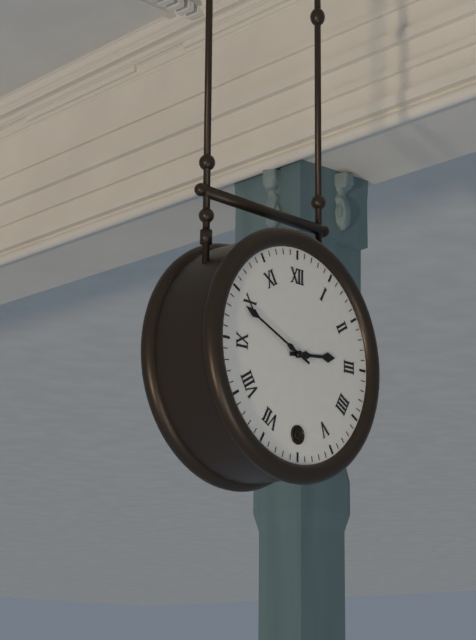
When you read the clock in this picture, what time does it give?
2:49
